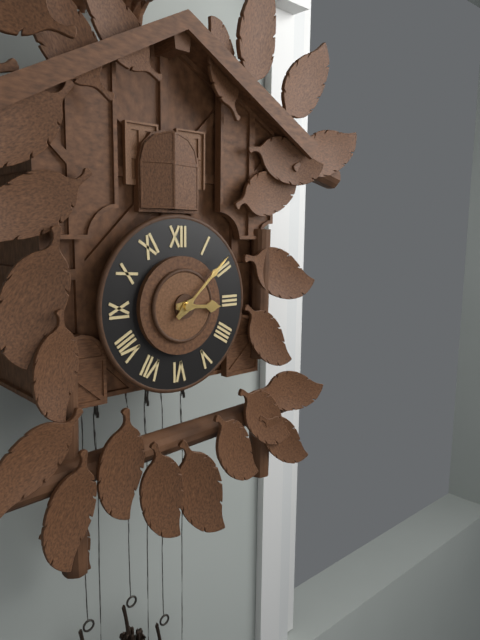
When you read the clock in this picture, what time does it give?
3:08
